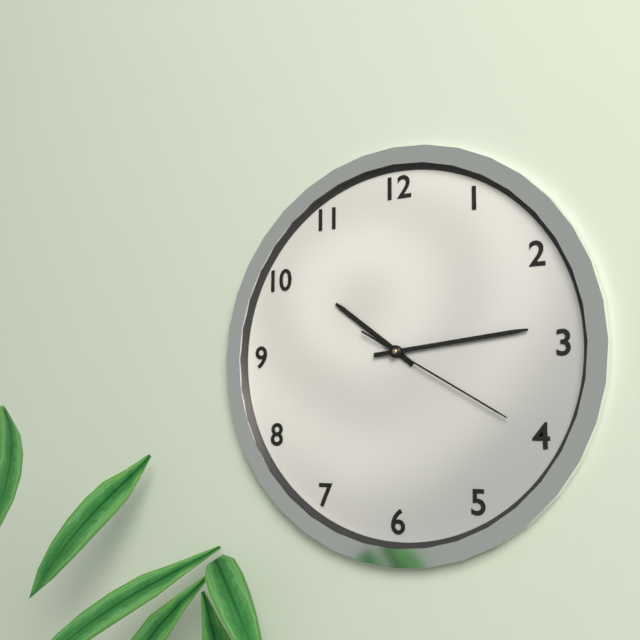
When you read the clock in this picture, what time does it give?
10:14:20
